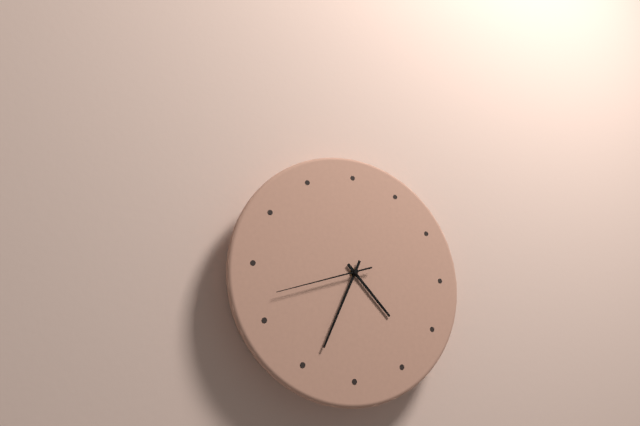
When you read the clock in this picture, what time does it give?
4:34:42
